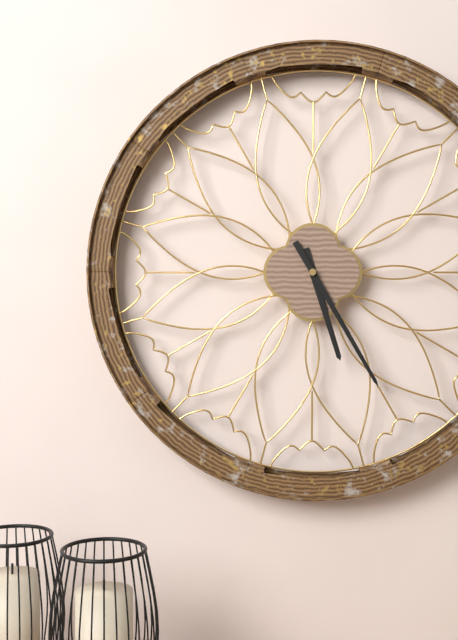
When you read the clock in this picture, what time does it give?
5:25
